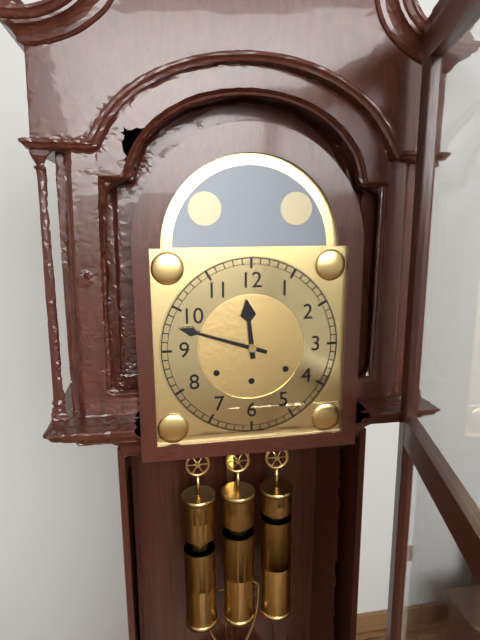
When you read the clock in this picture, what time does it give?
11:48
